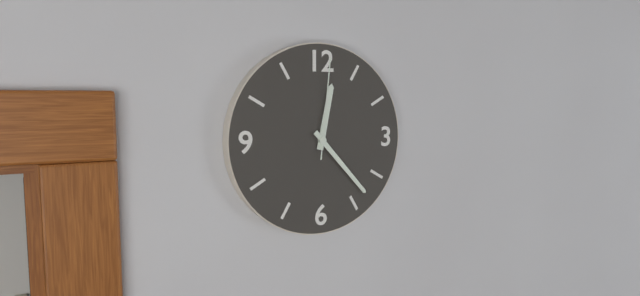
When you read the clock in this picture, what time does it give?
12:23:01
